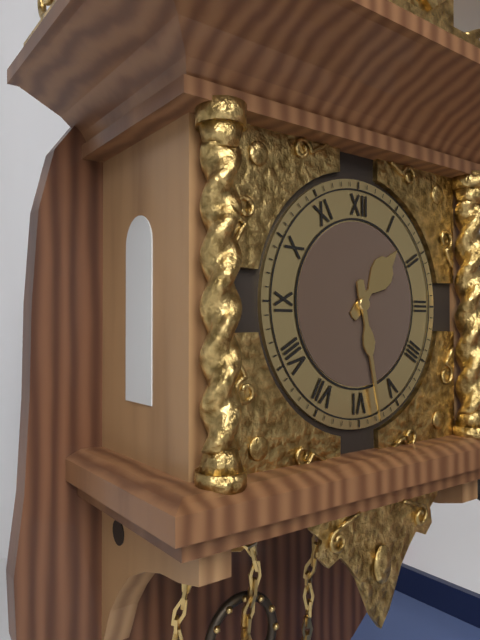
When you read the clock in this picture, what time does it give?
1:28
